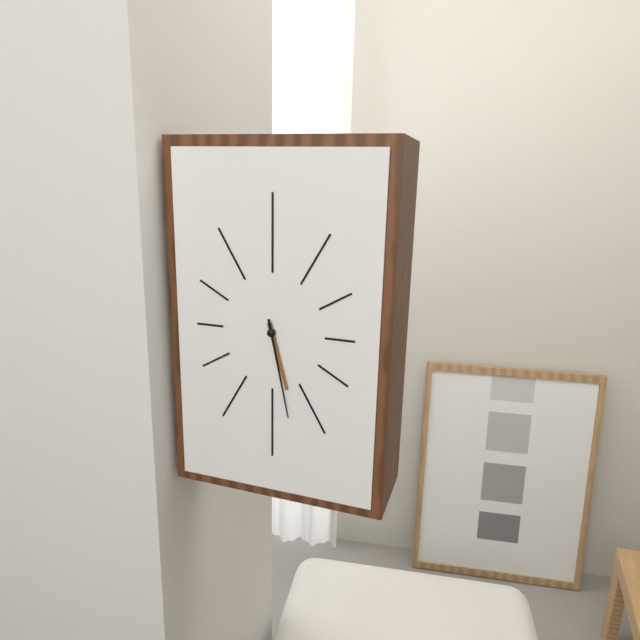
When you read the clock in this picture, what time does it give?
5:28
